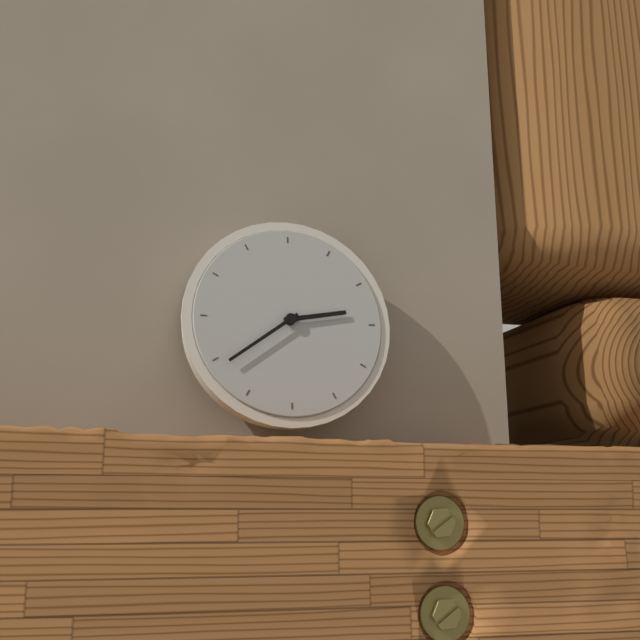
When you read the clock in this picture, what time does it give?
2:39
